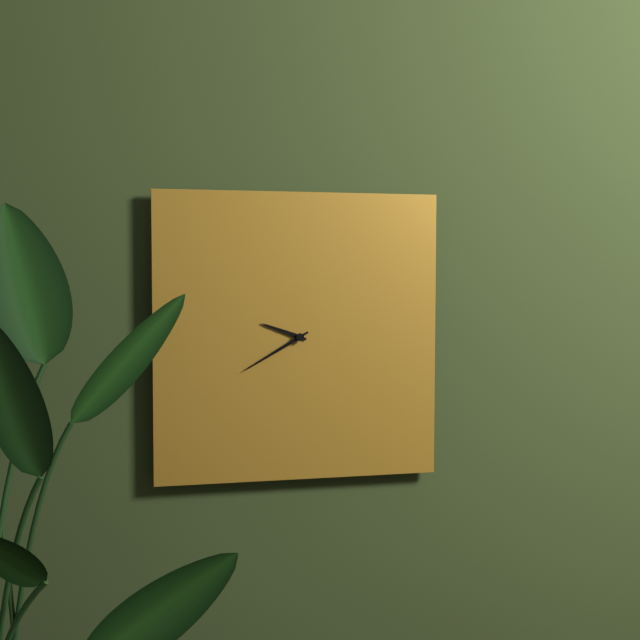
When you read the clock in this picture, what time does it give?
9:40
